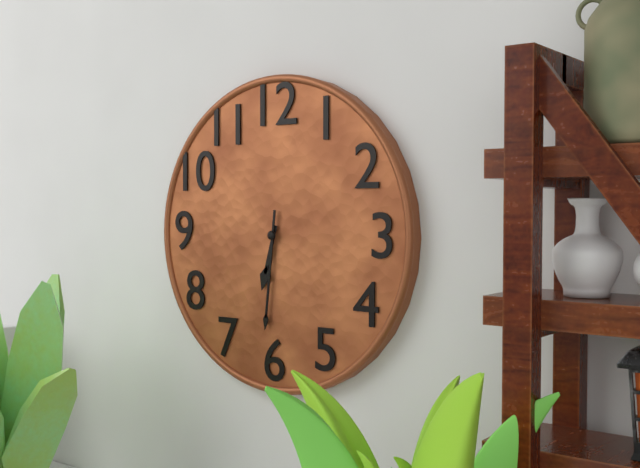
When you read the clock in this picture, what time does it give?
6:31
